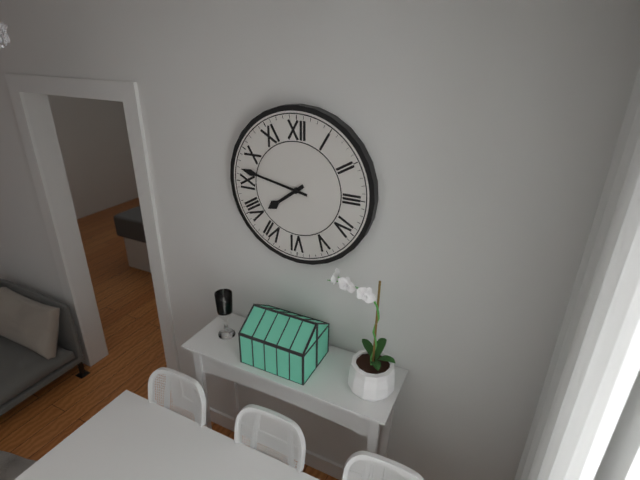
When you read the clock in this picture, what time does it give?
7:47
